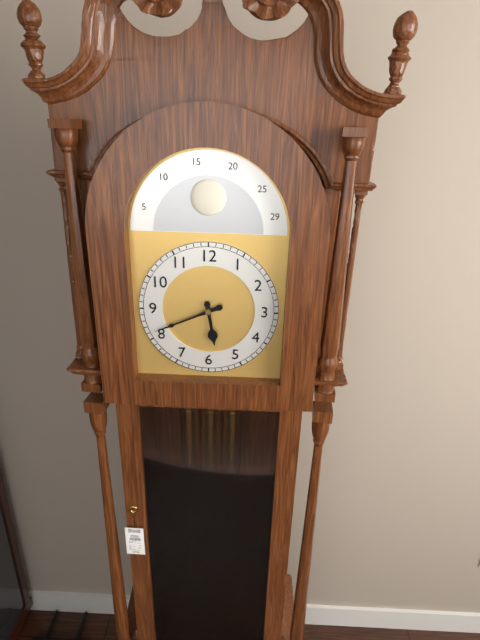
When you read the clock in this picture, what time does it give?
5:41
